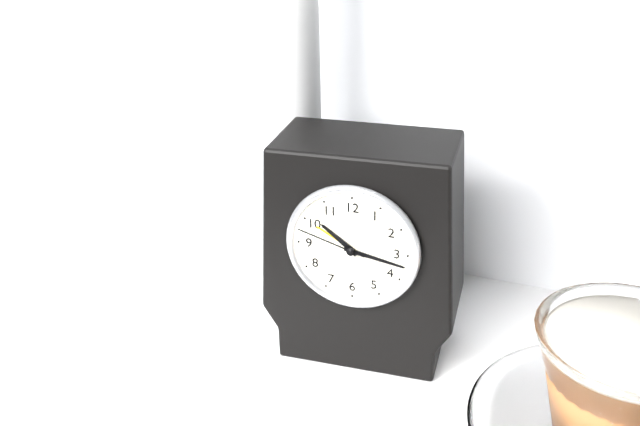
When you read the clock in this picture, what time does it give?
10:17:48
